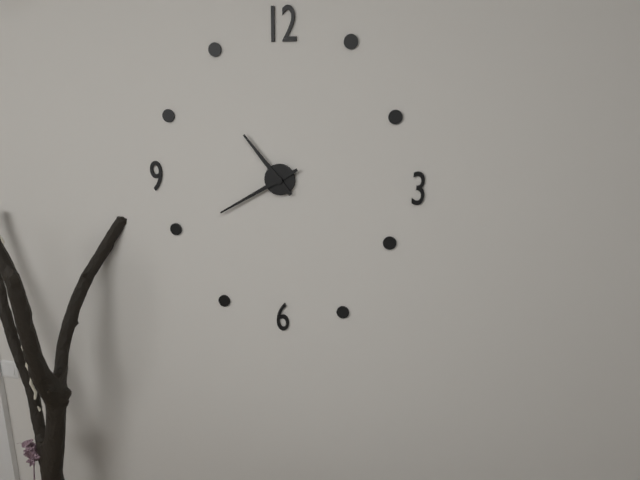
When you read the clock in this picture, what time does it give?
10:40
